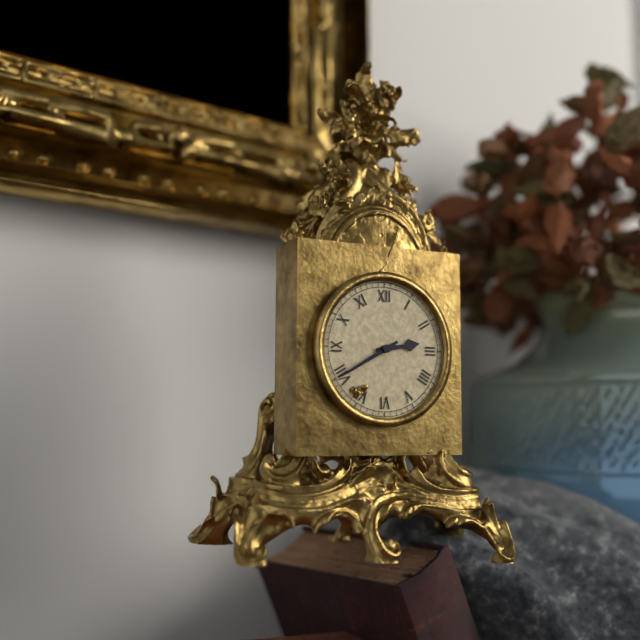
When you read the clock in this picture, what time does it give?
2:40
